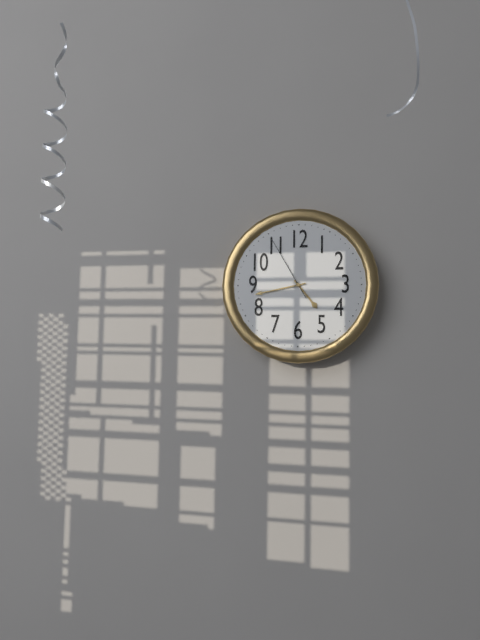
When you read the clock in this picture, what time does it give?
4:43:55
